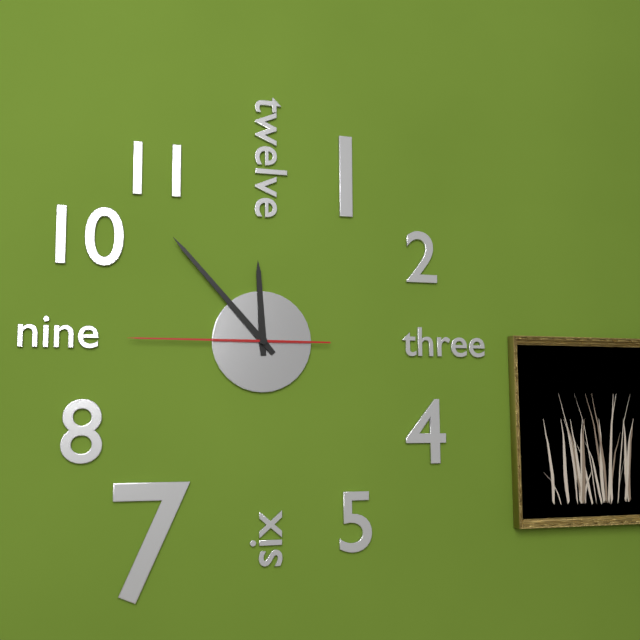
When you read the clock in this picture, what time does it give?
11:53:45
